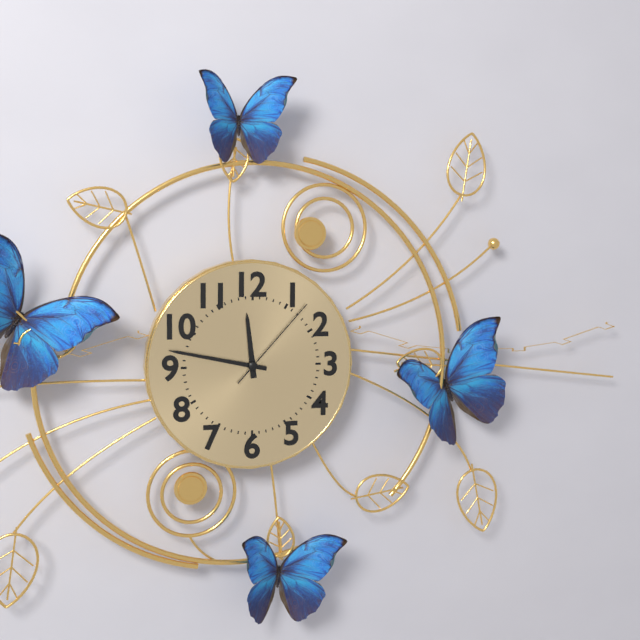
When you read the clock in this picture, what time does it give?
11:47:07
